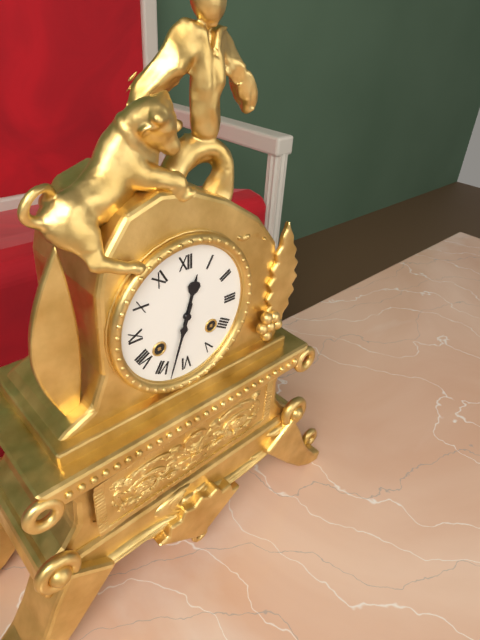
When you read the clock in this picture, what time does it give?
12:33
